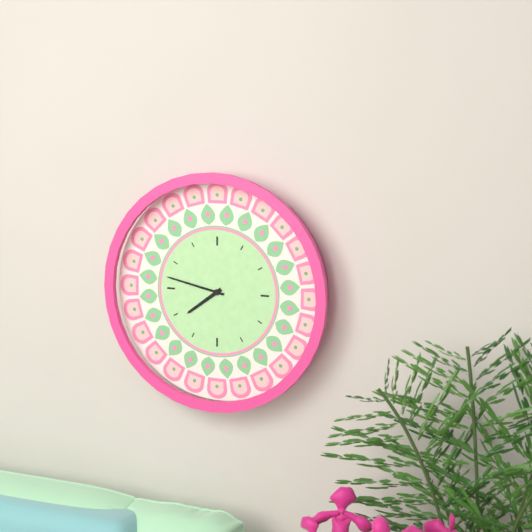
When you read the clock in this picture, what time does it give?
7:47
